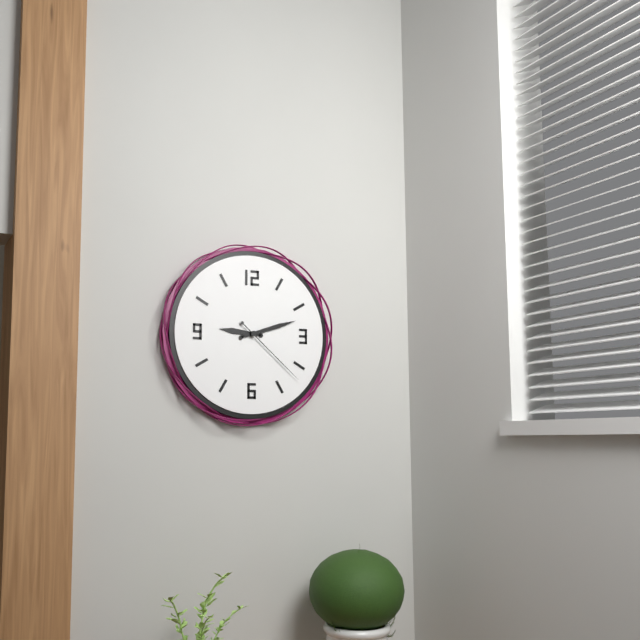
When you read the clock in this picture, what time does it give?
9:12:22
